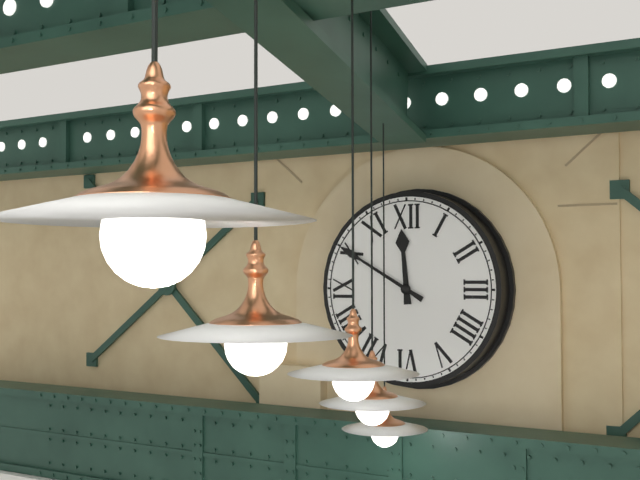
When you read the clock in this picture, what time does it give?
11:50
